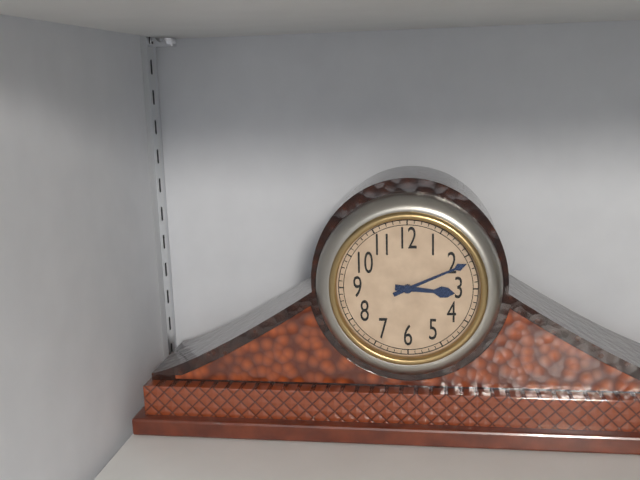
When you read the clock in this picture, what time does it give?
3:11
